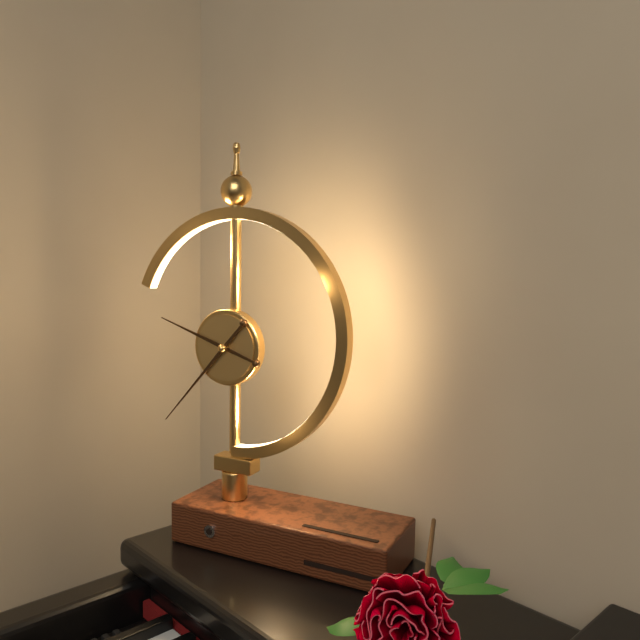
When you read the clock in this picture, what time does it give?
9:37
